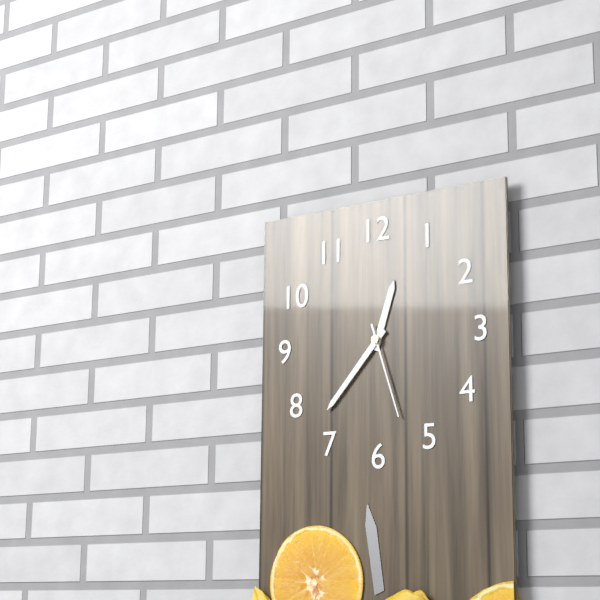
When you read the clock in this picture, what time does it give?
12:37:27
